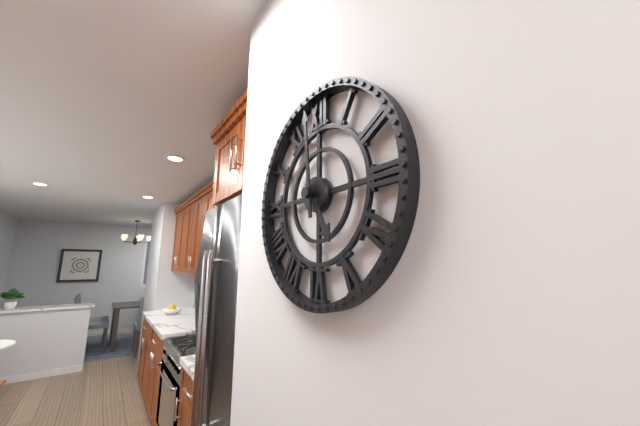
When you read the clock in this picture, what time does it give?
4:59
